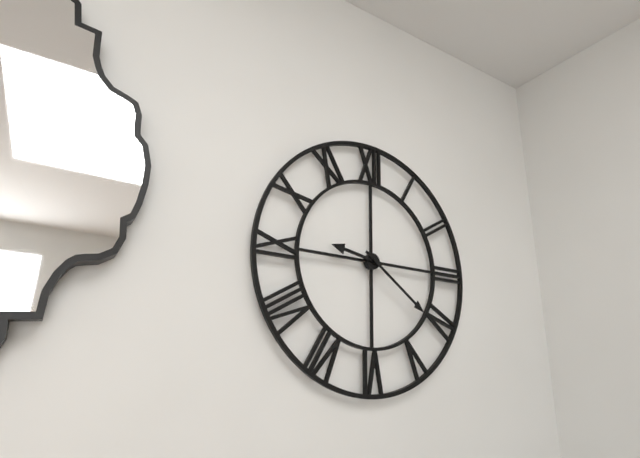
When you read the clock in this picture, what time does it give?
9:21
